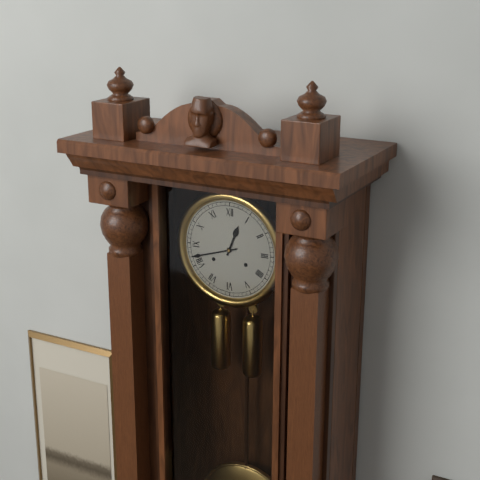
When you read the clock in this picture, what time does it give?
12:42
